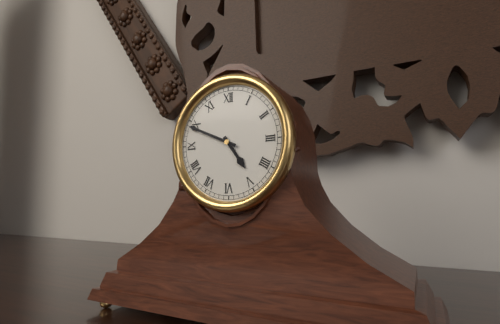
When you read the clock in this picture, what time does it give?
4:49
